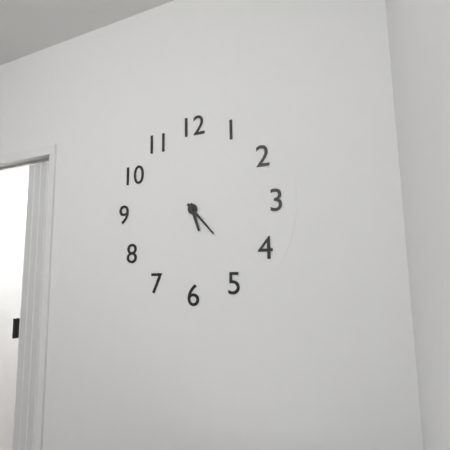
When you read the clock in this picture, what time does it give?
5:23
